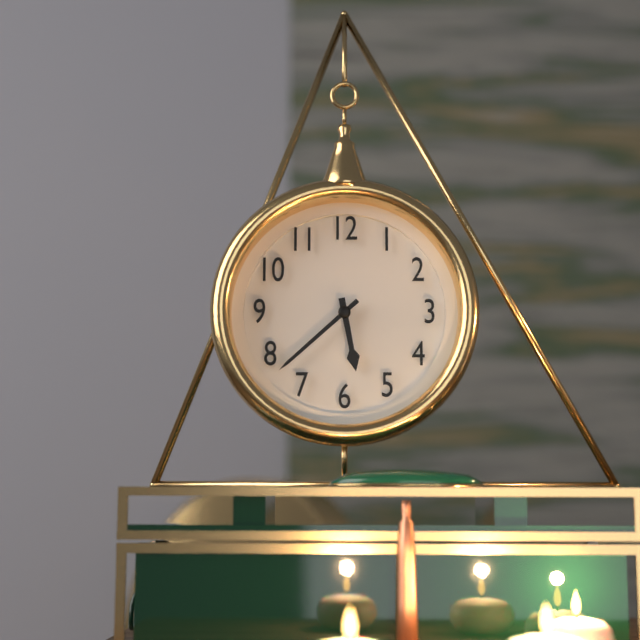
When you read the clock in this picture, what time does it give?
5:38
